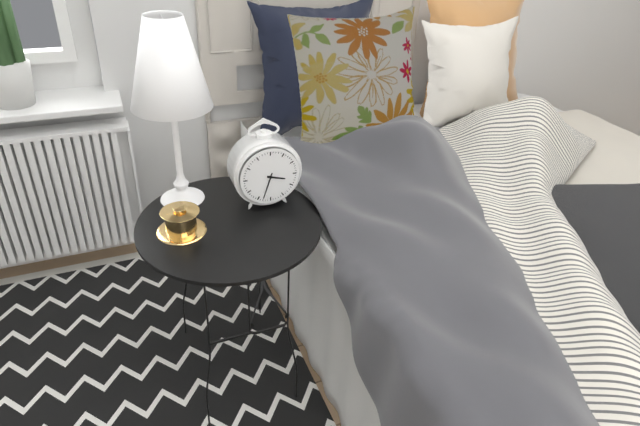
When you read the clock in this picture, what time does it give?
3:33
